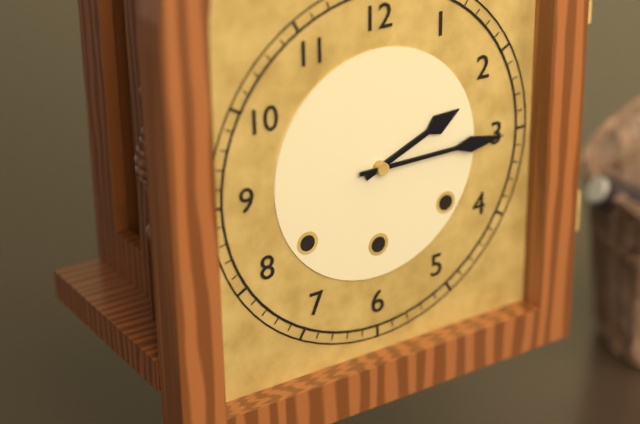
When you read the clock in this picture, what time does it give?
2:15
